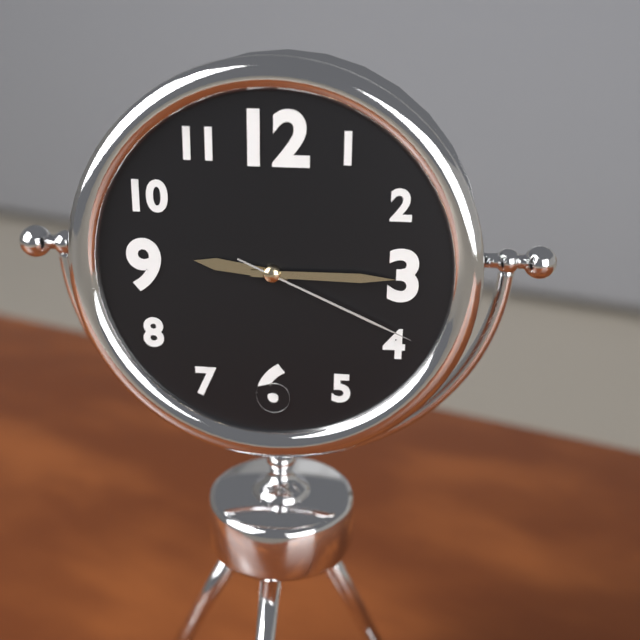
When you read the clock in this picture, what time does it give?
9:15:19
